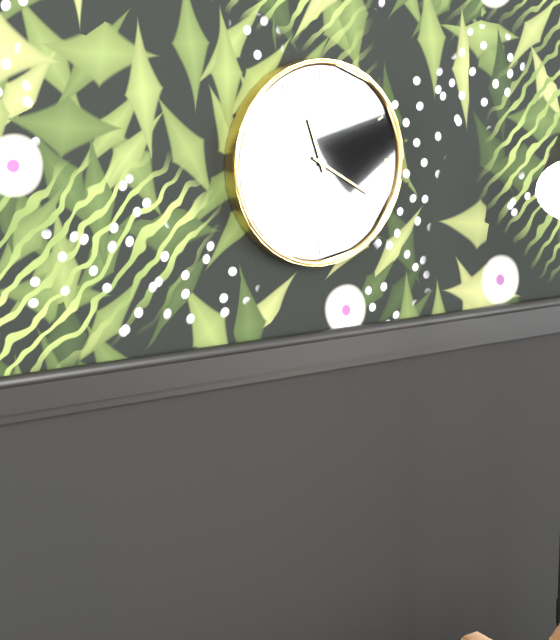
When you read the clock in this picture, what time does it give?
11:20
